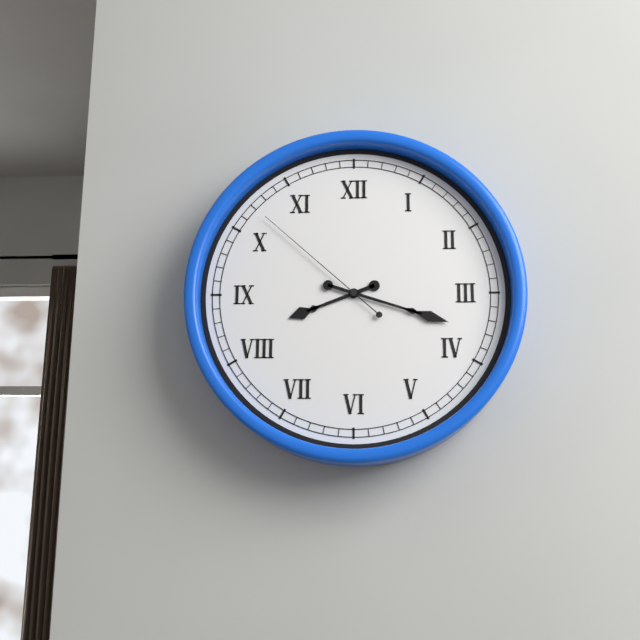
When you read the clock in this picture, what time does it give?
8:18:52
